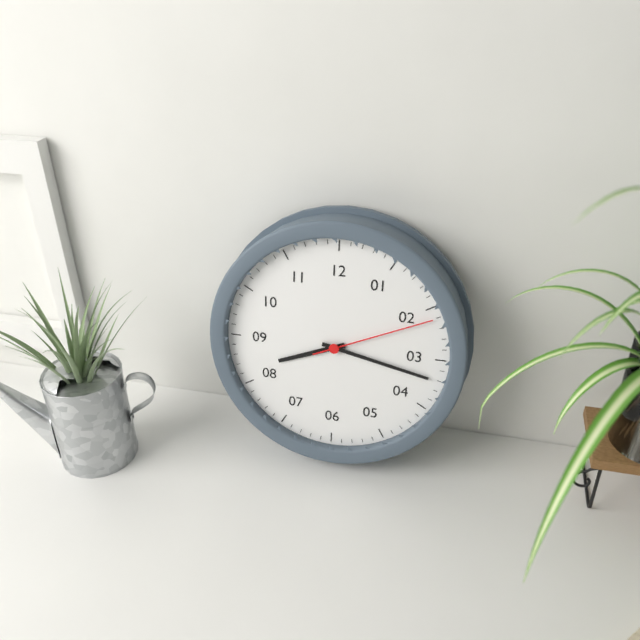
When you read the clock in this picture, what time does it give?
8:17:11
